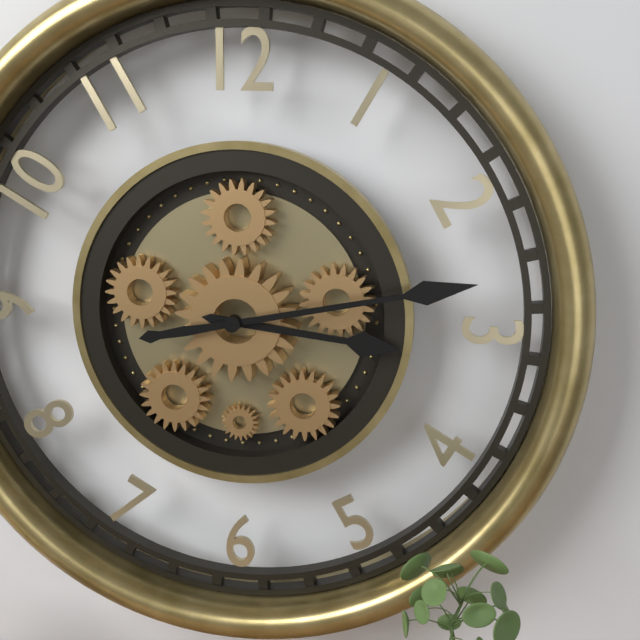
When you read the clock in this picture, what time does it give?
3:13
